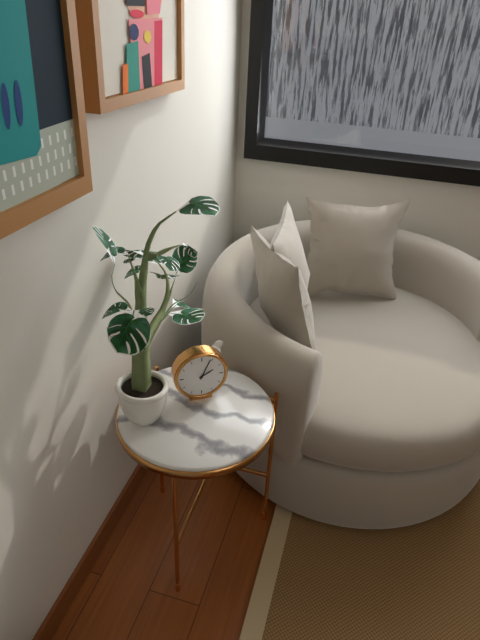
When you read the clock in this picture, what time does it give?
2:04
